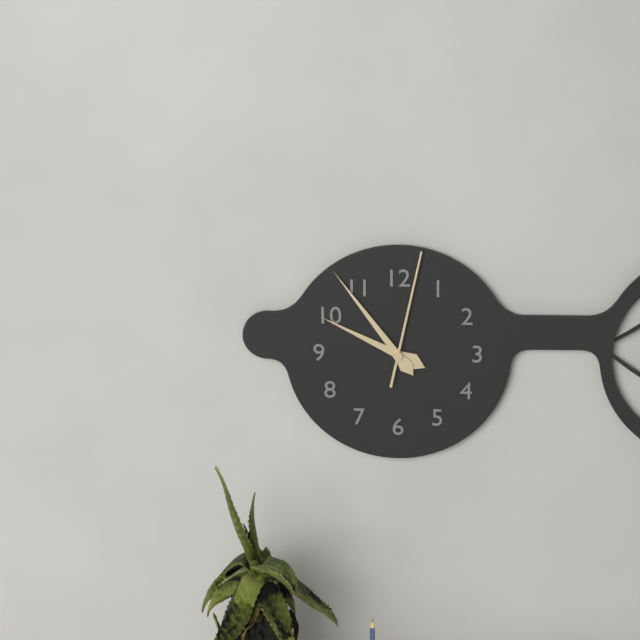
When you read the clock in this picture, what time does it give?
9:54:02
